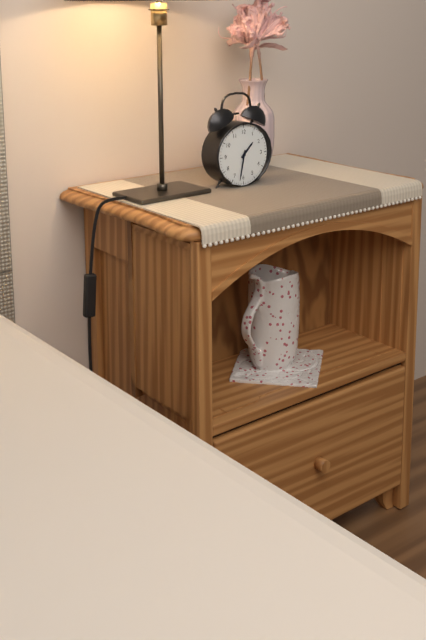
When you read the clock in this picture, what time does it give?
1:32
